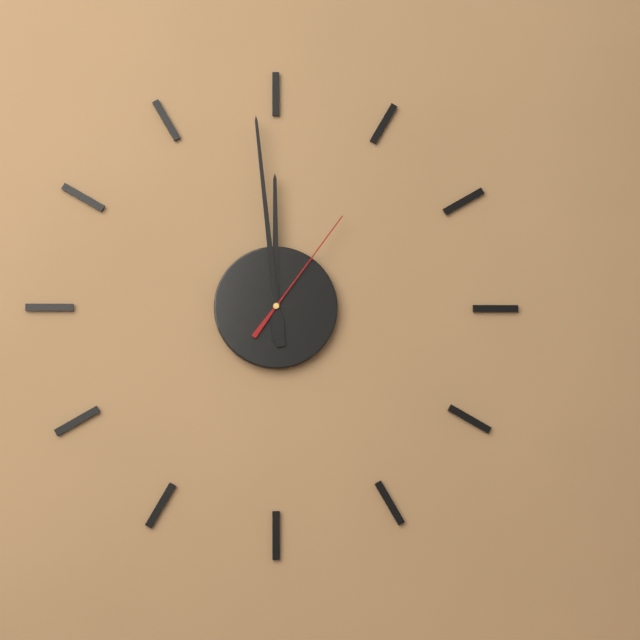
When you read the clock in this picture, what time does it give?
11:59:06
